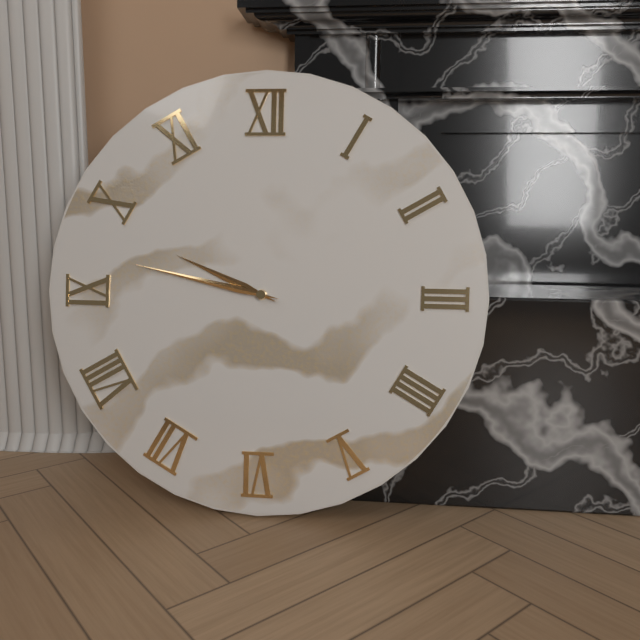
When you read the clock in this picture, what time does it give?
9:47
